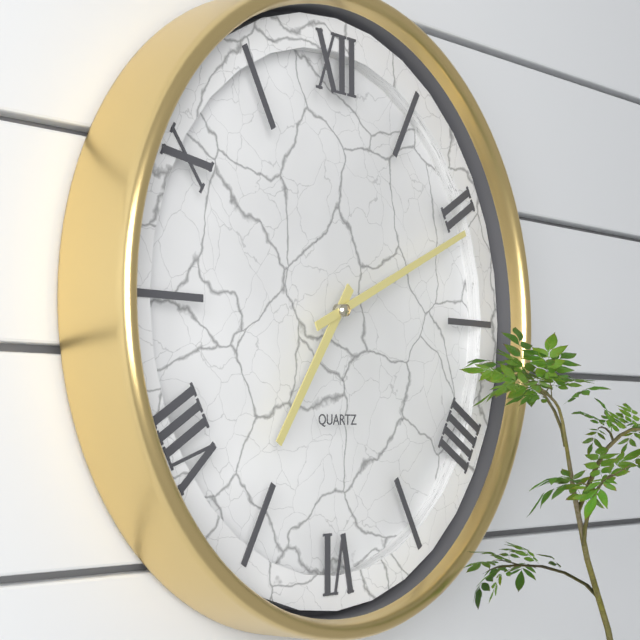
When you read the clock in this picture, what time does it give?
7:11
